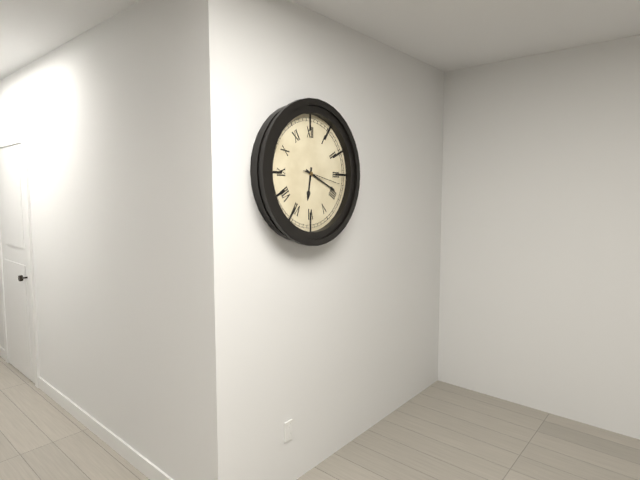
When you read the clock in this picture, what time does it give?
6:19
